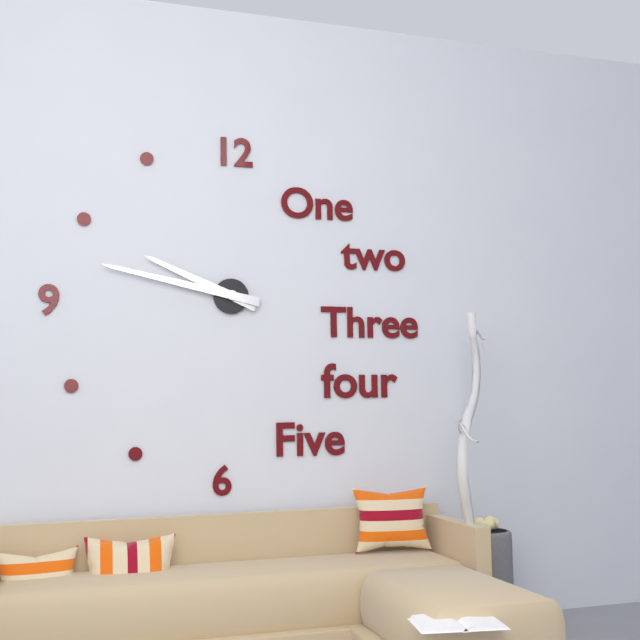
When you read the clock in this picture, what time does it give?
9:47
